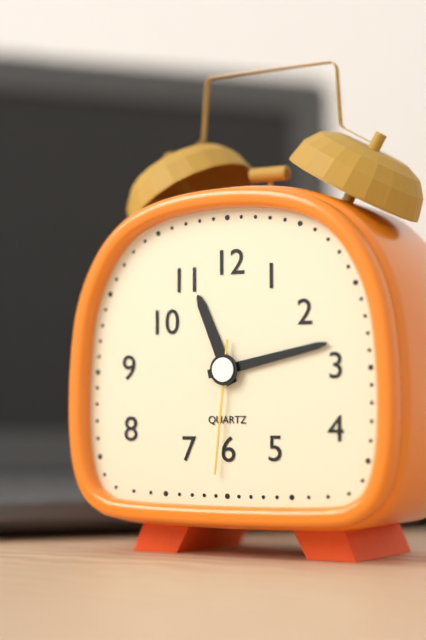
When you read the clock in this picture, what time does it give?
11:13:31
